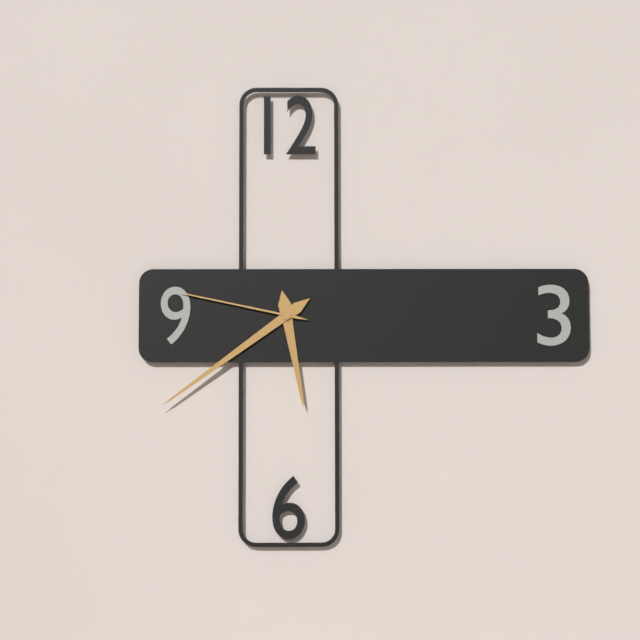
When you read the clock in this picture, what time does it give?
5:39:47
